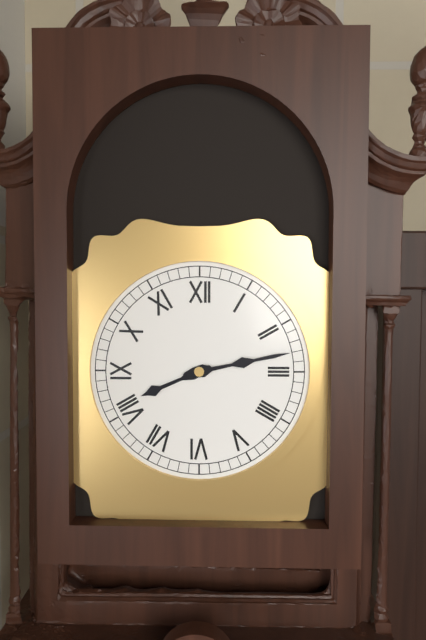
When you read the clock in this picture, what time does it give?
8:13
